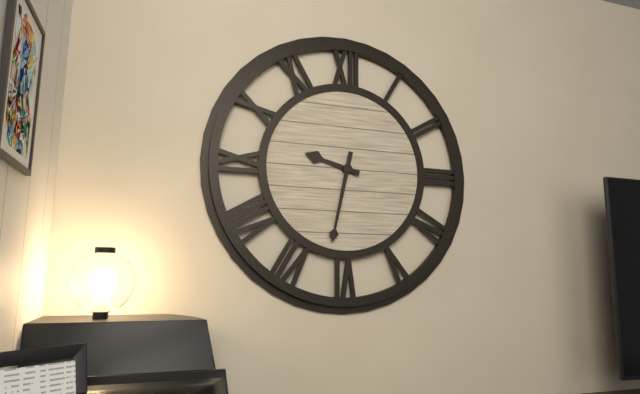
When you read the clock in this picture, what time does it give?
9:32
